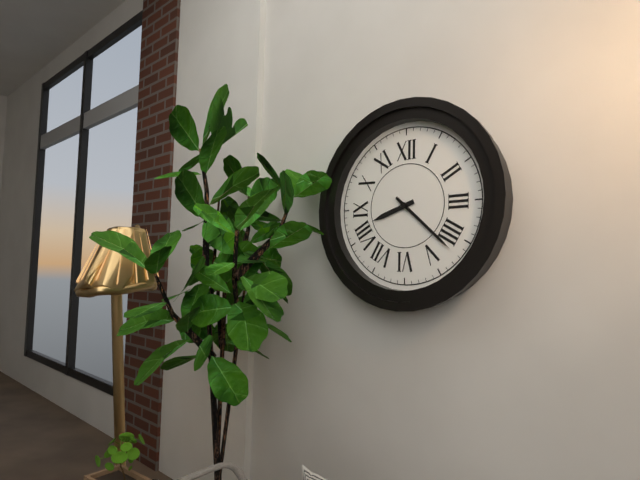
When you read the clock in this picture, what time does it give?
8:22
